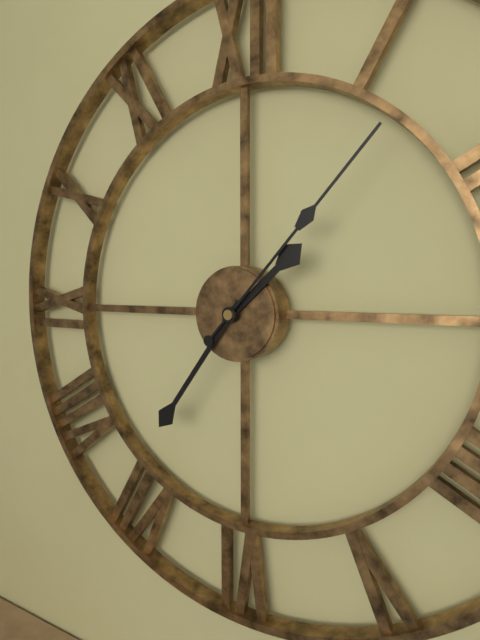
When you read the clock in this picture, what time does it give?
1:36:07
